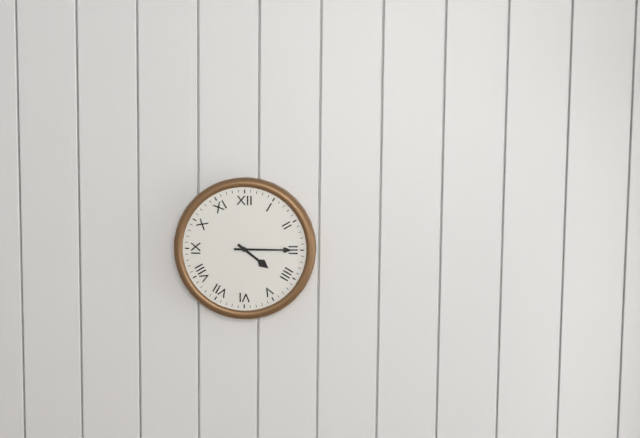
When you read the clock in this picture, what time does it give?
4:15
